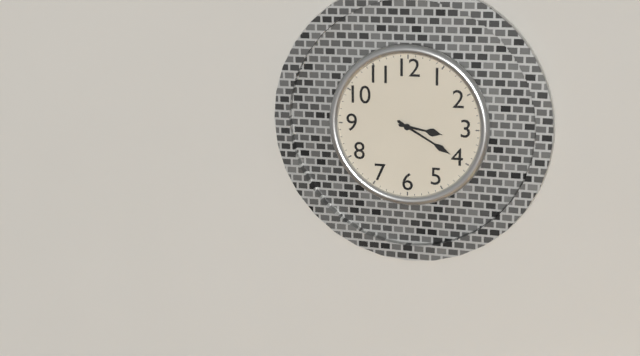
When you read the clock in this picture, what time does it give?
3:20
